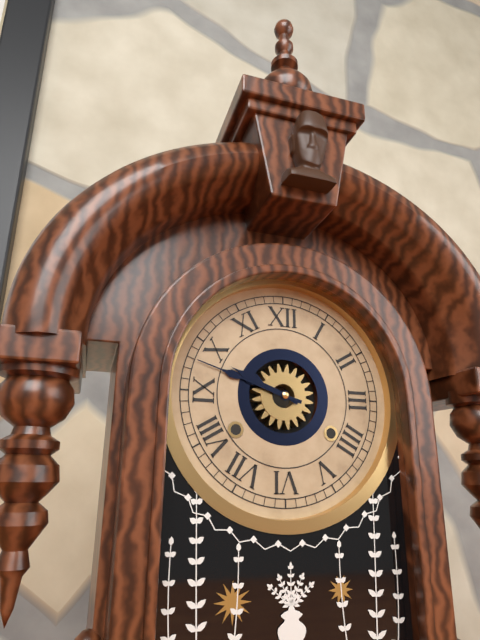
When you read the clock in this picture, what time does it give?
9:48
